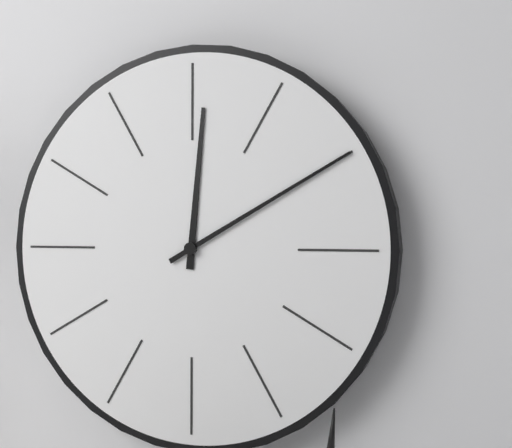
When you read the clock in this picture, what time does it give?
12:10
